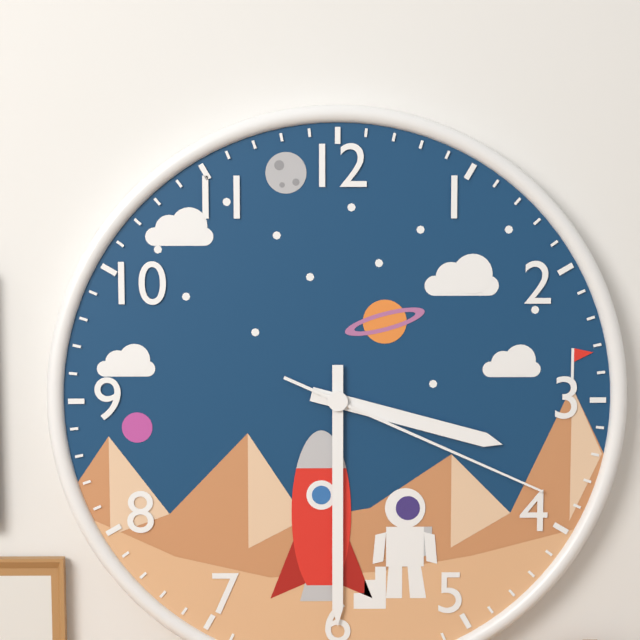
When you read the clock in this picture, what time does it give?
3:30:19
